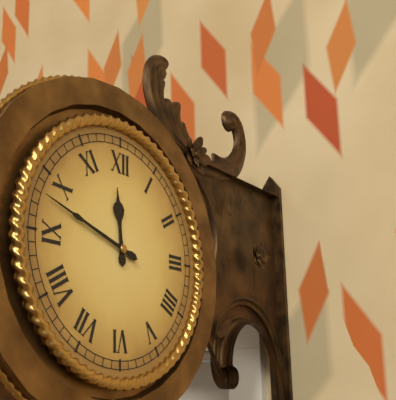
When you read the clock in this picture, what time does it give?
11:48
